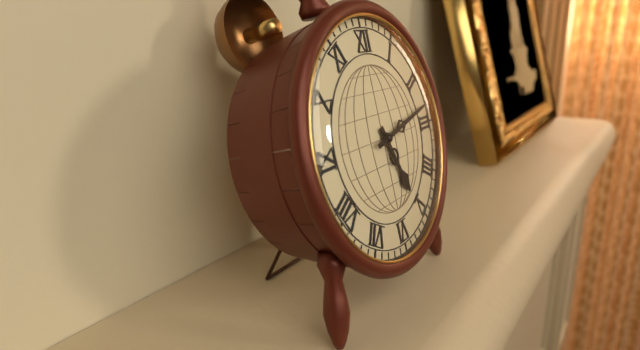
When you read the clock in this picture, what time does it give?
5:13
